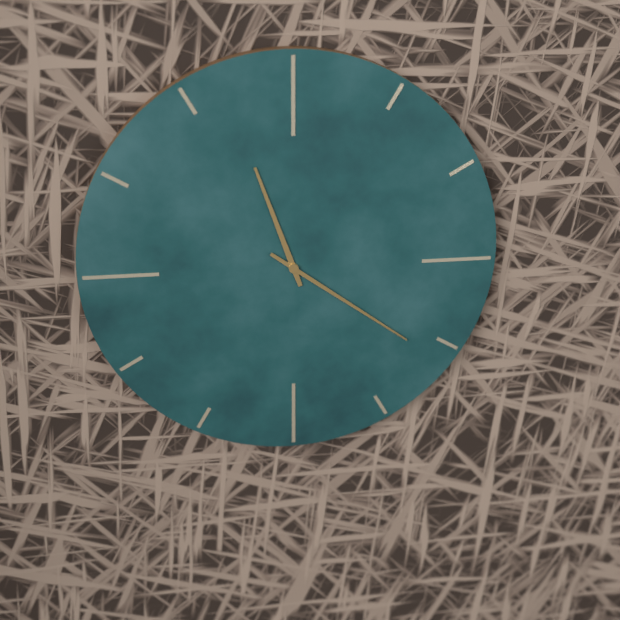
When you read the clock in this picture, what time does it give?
11:21
